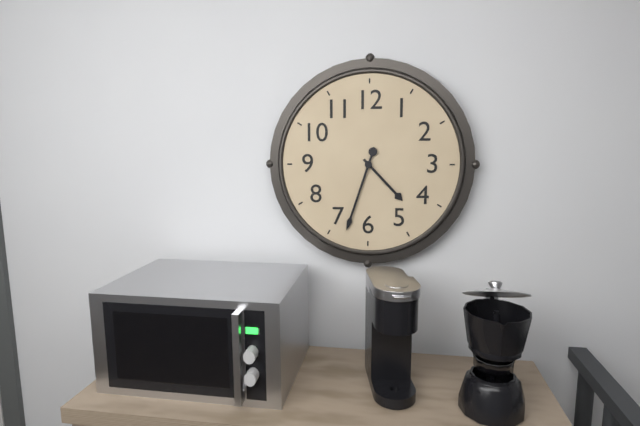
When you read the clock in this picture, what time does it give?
4:33
